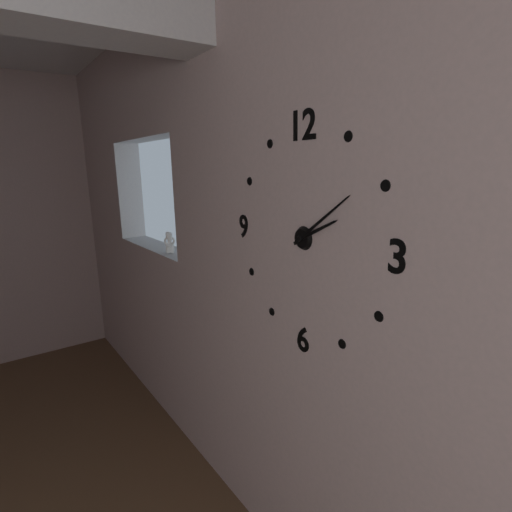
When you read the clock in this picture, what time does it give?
2:09
